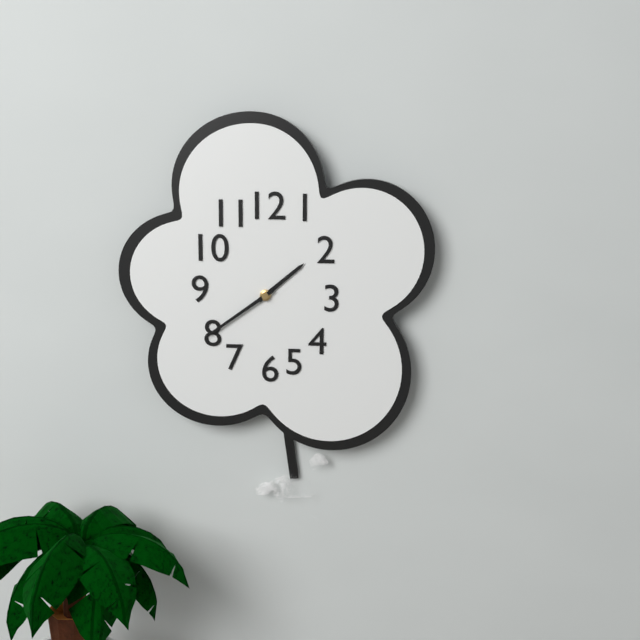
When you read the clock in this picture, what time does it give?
1:39
